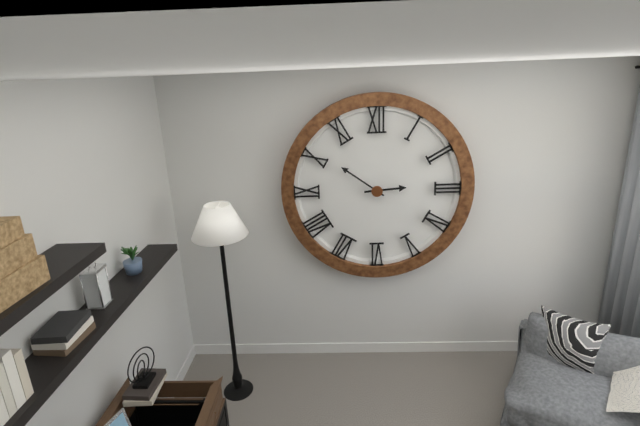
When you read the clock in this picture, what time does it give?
2:51
